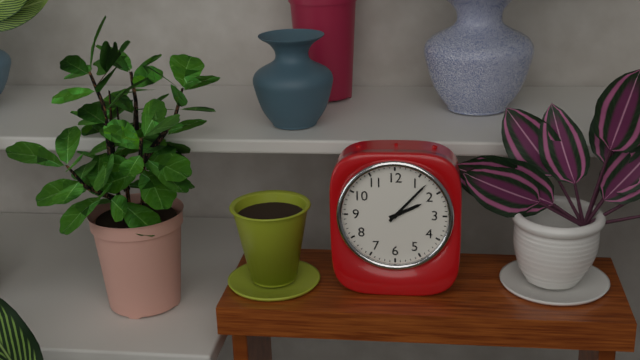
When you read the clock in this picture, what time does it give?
2:07
